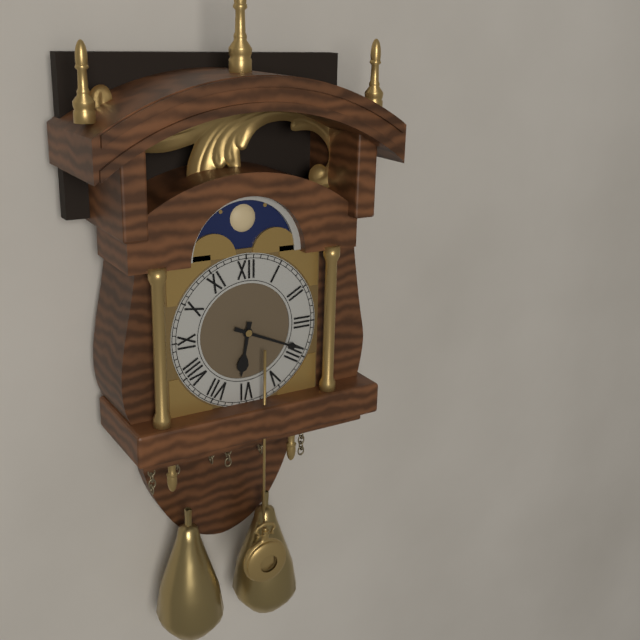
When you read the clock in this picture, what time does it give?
6:19
